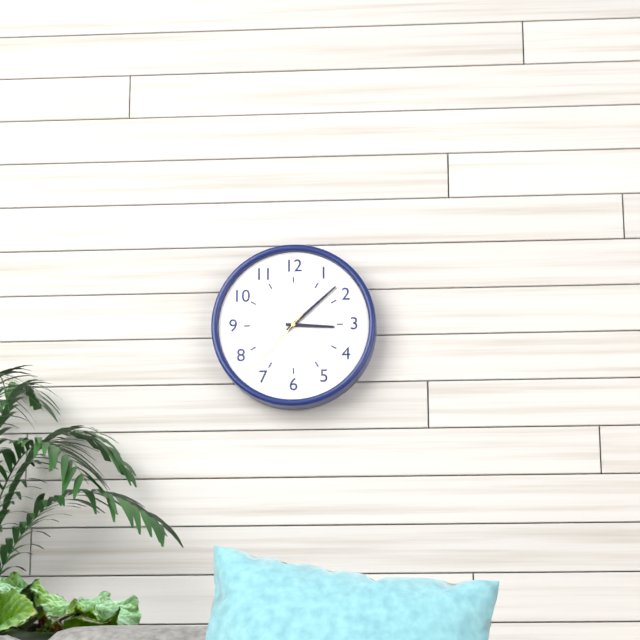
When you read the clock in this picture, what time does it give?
3:08:37
